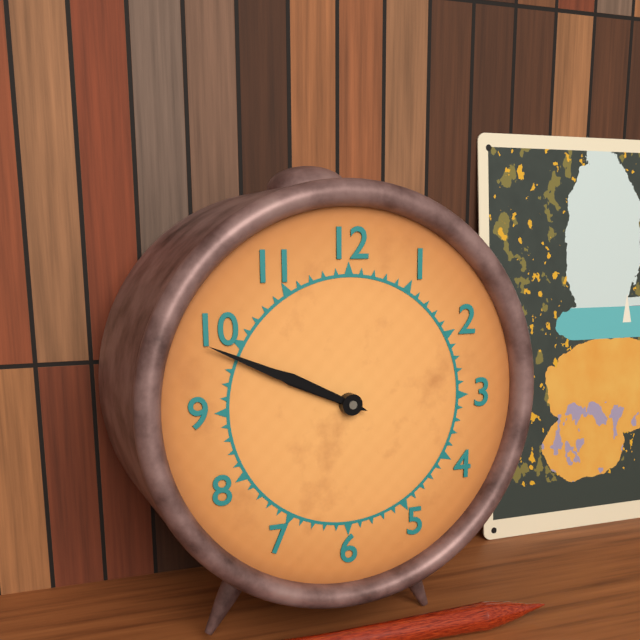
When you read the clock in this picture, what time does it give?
9:49
